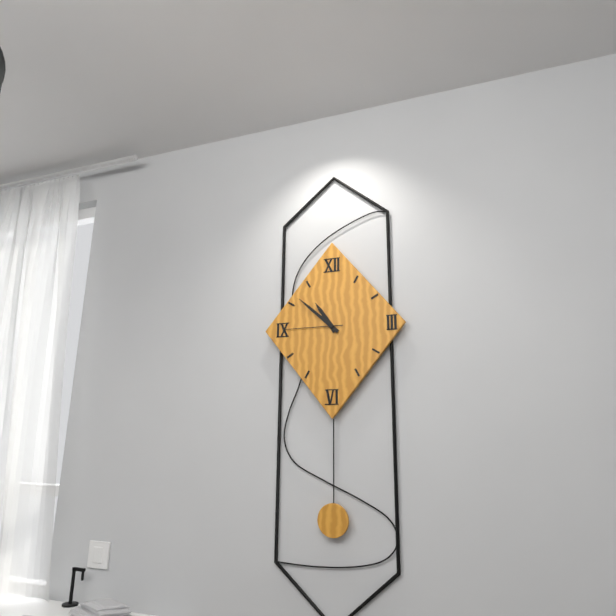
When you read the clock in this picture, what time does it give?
10:52:45
